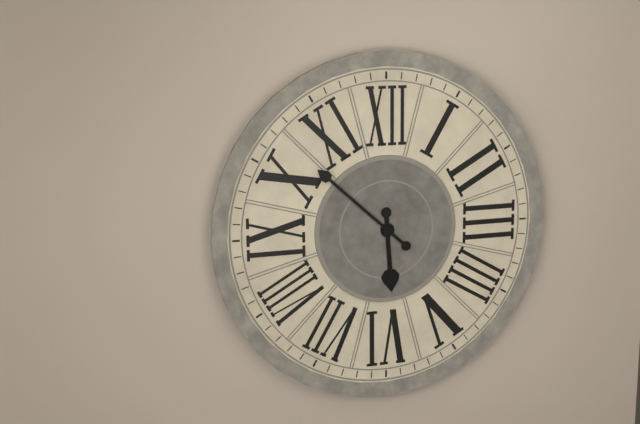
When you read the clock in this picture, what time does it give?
5:52
